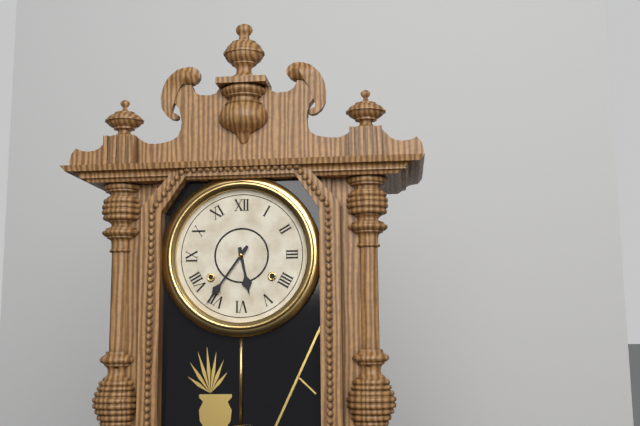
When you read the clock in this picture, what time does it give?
5:36
